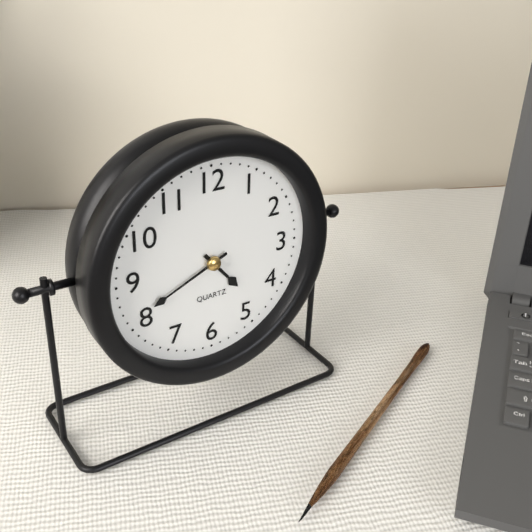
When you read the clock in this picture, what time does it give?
4:41
